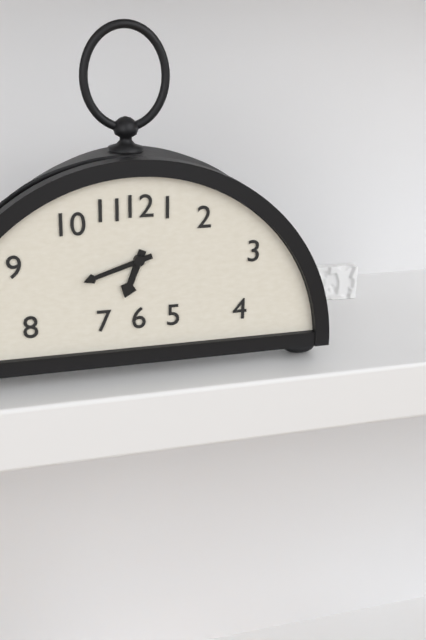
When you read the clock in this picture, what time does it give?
6:42
